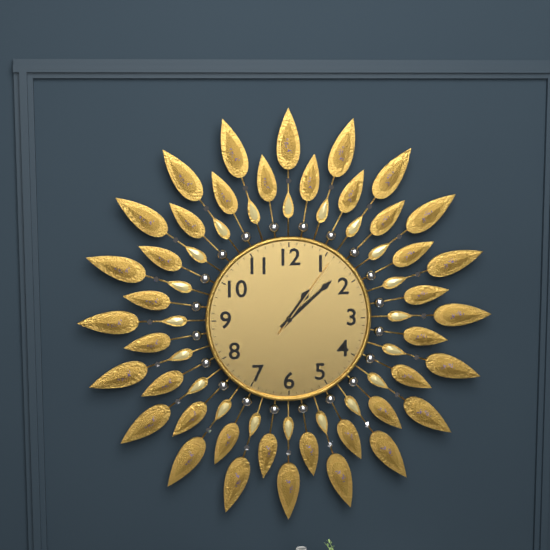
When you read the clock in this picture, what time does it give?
1:08:06
